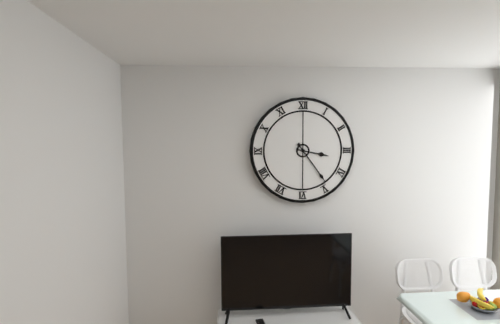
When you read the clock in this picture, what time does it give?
3:24
